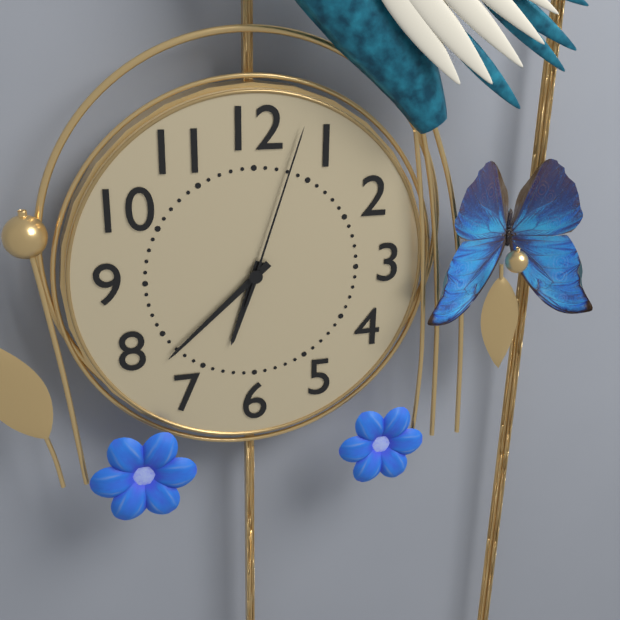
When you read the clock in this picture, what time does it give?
6:38:03
